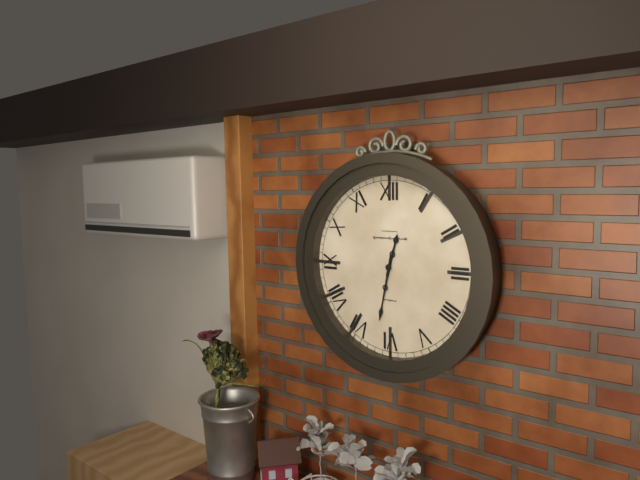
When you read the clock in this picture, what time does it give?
12:32
